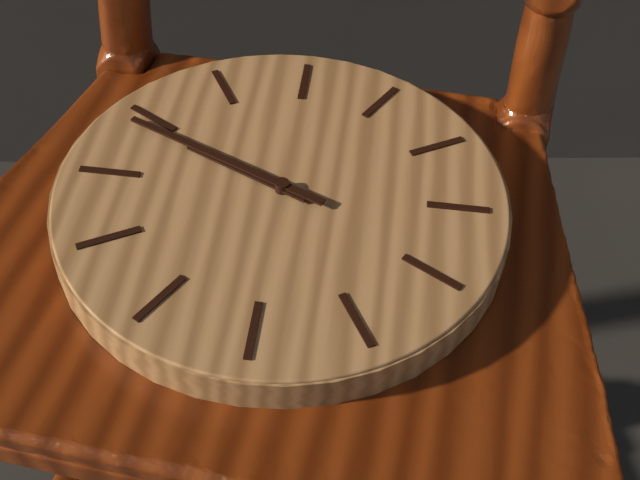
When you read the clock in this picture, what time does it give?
9:49
